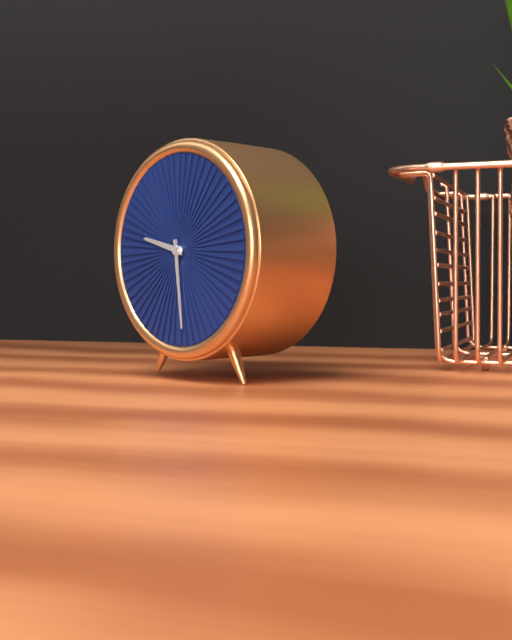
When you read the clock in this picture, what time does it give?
9:29
